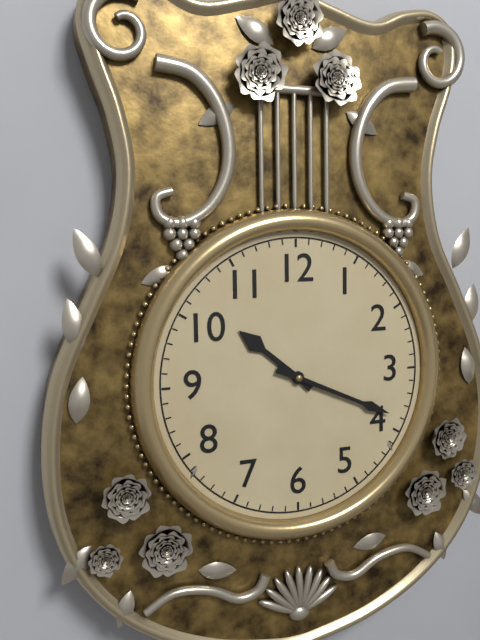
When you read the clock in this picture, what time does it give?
10:19
